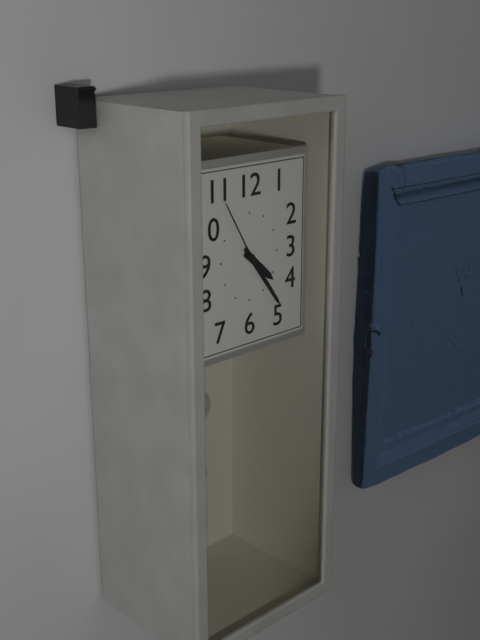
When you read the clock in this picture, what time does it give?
4:24:55
